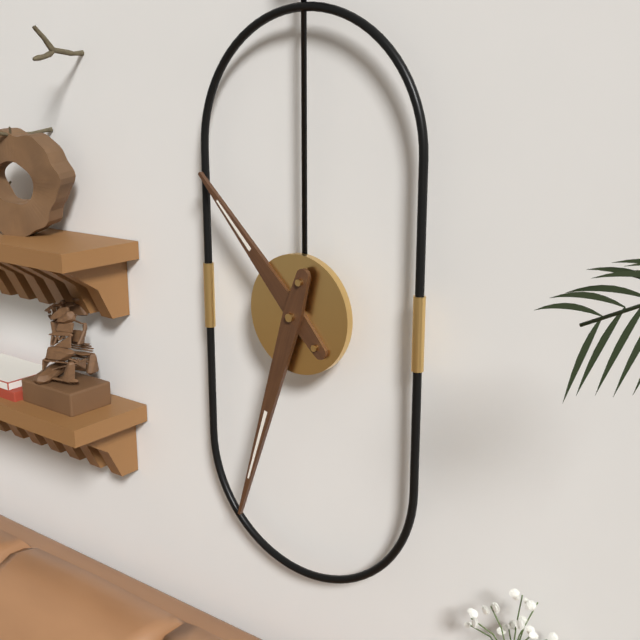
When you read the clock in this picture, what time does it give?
10:33
